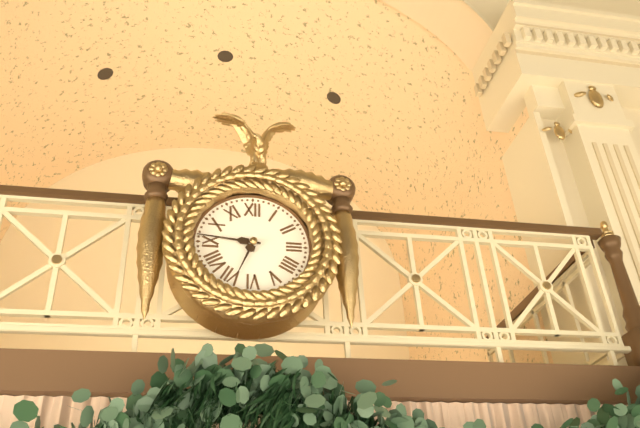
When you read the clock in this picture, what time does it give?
6:46
